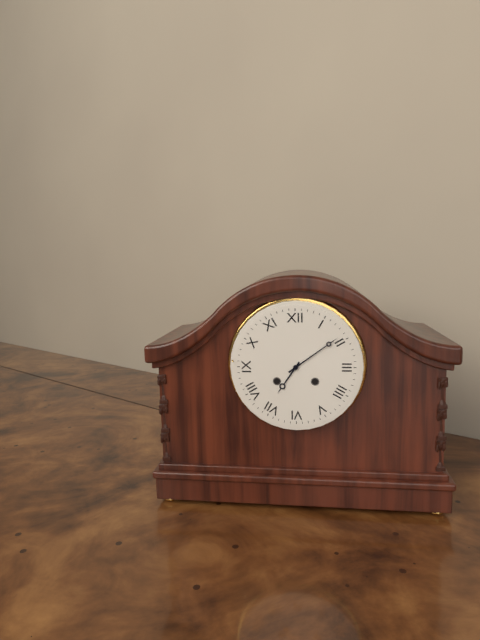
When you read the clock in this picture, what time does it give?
7:09
